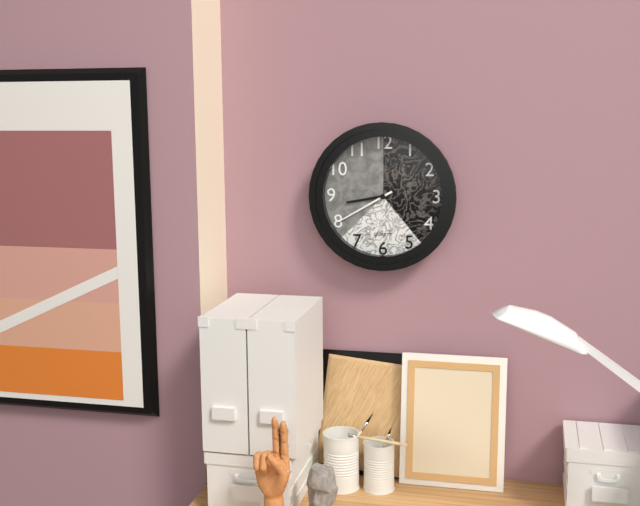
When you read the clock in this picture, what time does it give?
8:40
